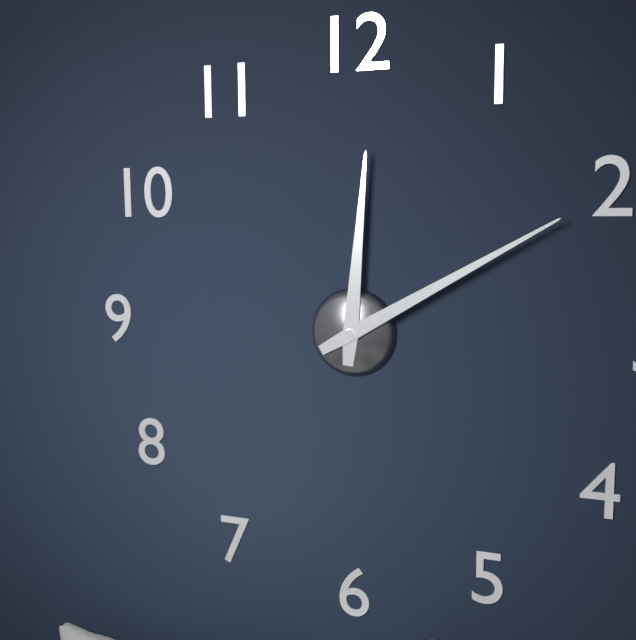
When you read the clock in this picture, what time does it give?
12:10
